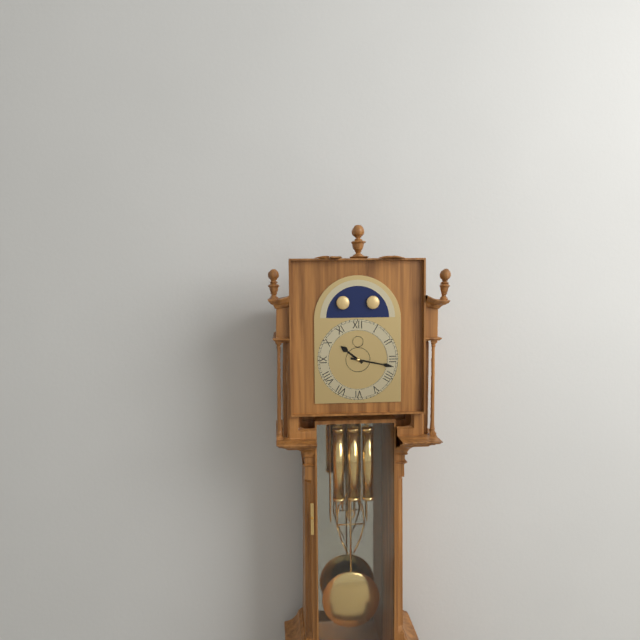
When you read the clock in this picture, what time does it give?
10:17
